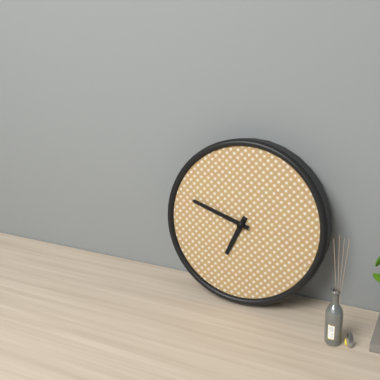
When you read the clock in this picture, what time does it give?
6:48
